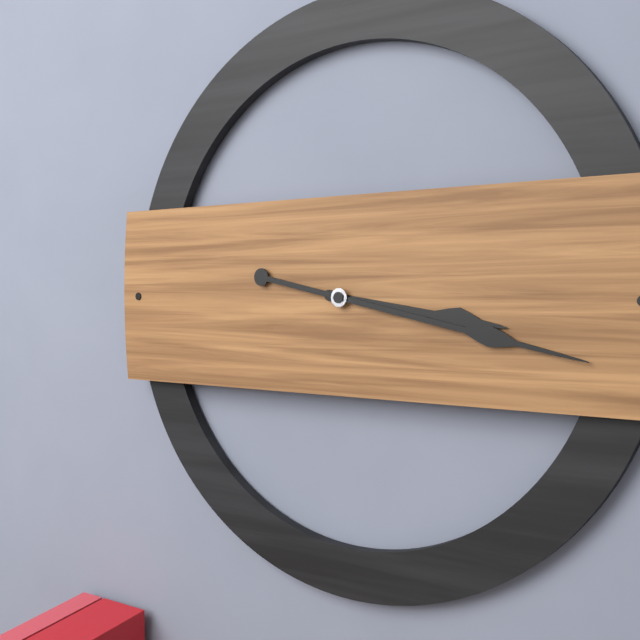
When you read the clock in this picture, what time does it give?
3:17
